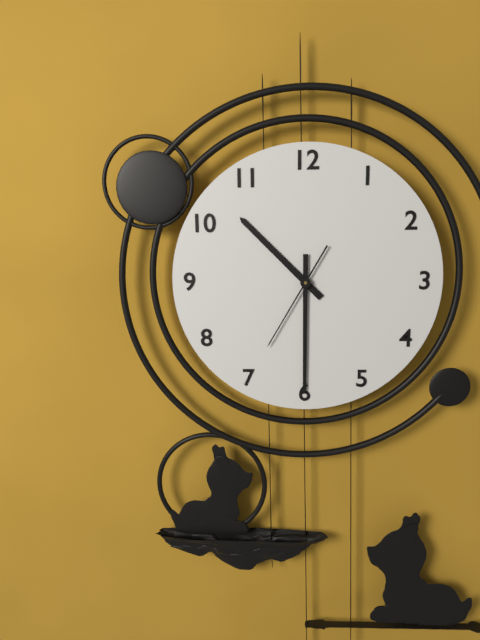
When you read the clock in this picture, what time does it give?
10:30:35
